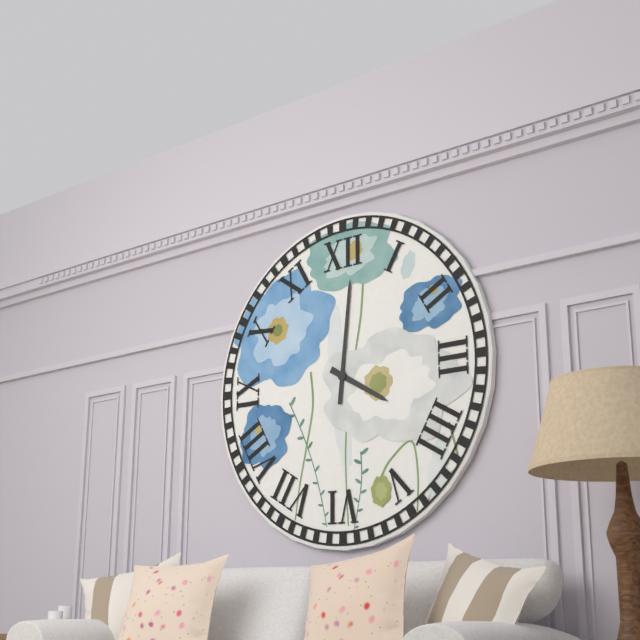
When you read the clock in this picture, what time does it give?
4:01
